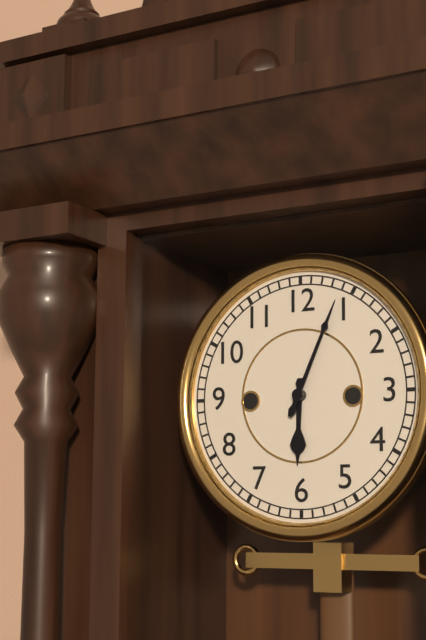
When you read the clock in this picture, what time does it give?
6:04
